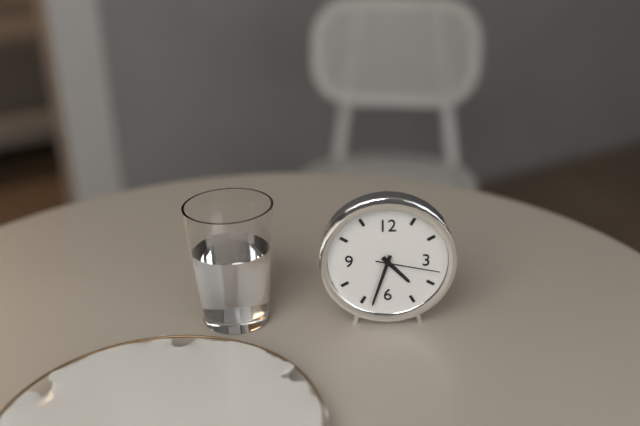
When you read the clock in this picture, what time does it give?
4:33:17
